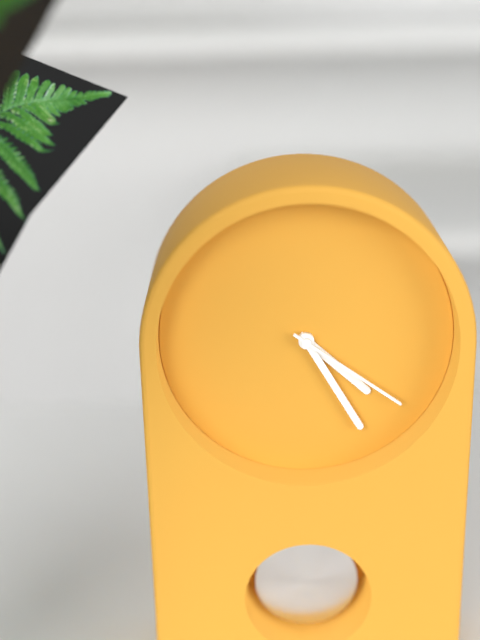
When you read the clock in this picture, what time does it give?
4:25:21
